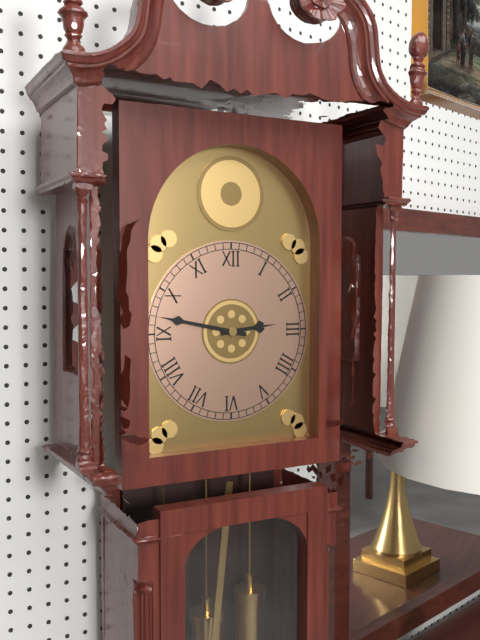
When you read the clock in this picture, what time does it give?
2:47
